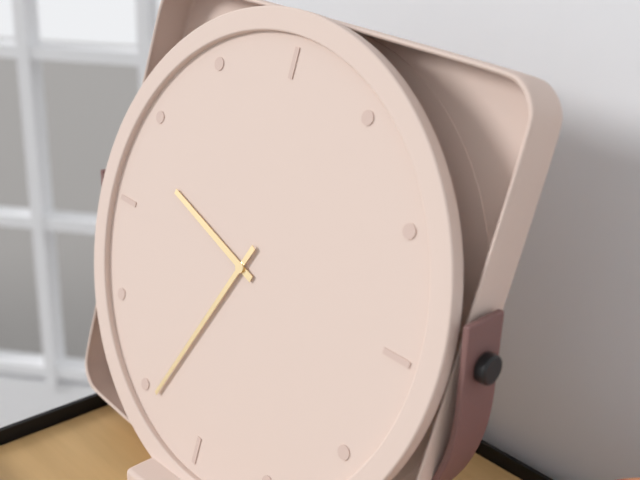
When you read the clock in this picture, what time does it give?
9:34
